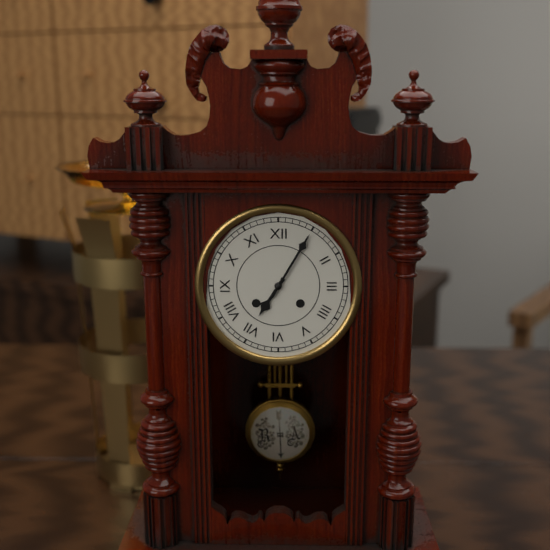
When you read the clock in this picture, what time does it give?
7:05
